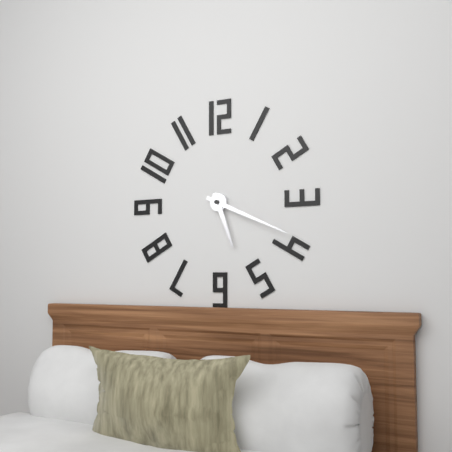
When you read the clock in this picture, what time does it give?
5:19
